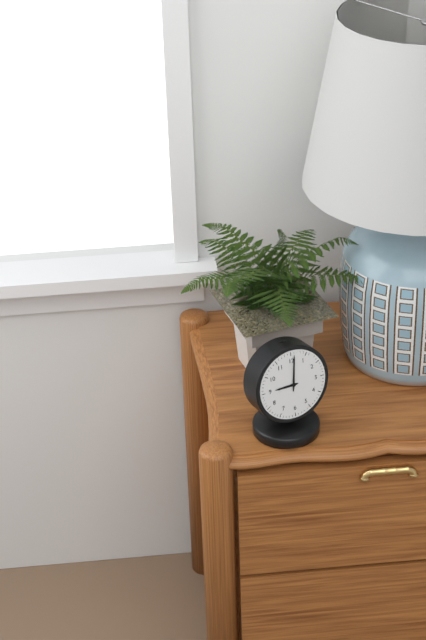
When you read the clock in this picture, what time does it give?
9:01
